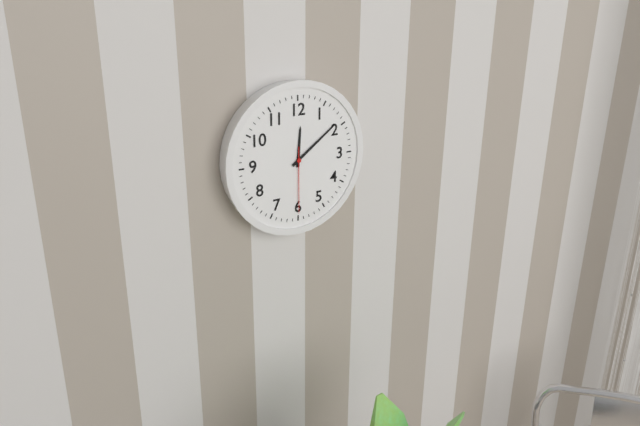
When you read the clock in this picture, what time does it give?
12:09:30
